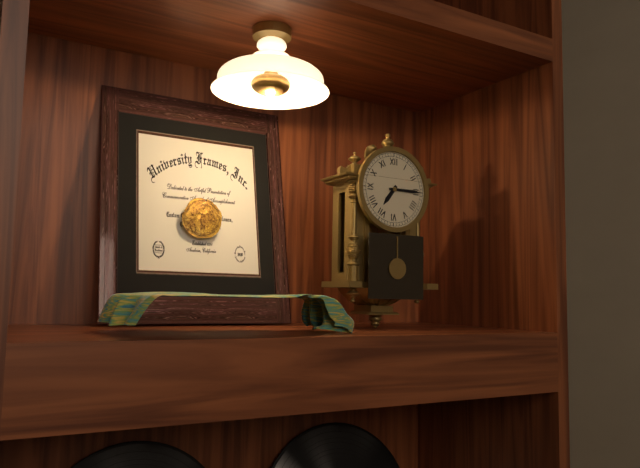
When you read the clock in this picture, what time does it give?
7:15
